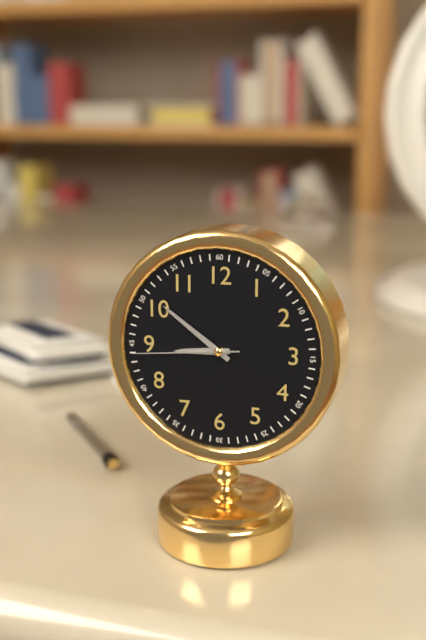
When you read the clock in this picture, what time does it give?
8:51:44
